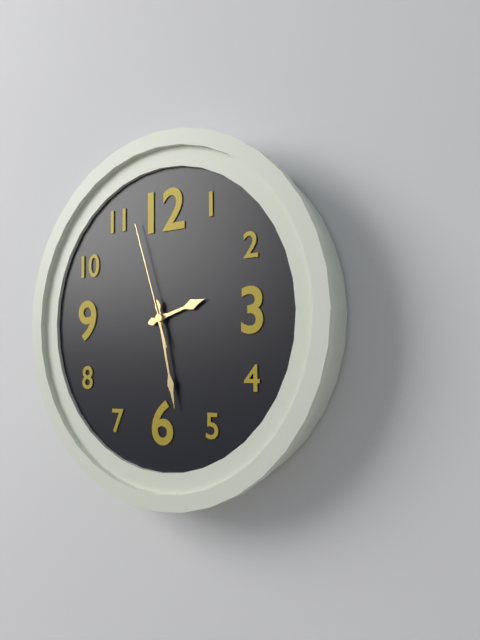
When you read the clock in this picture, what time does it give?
2:28:57
